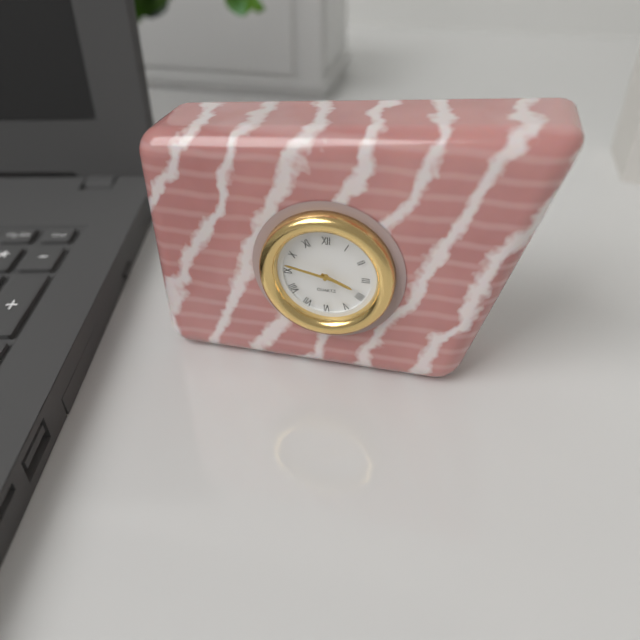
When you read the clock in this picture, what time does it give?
3:47
